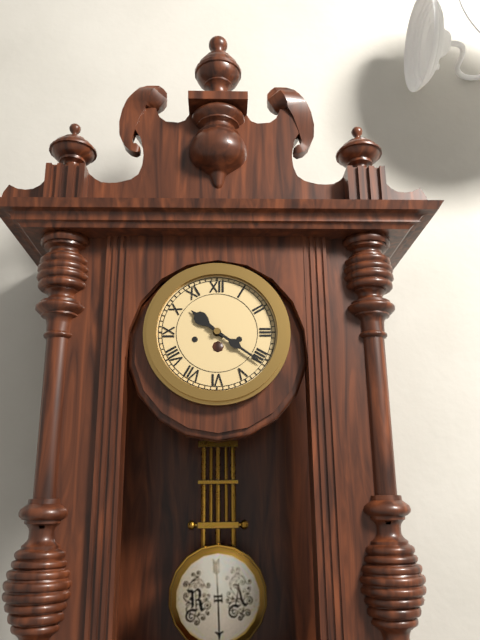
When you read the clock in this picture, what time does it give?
10:21
